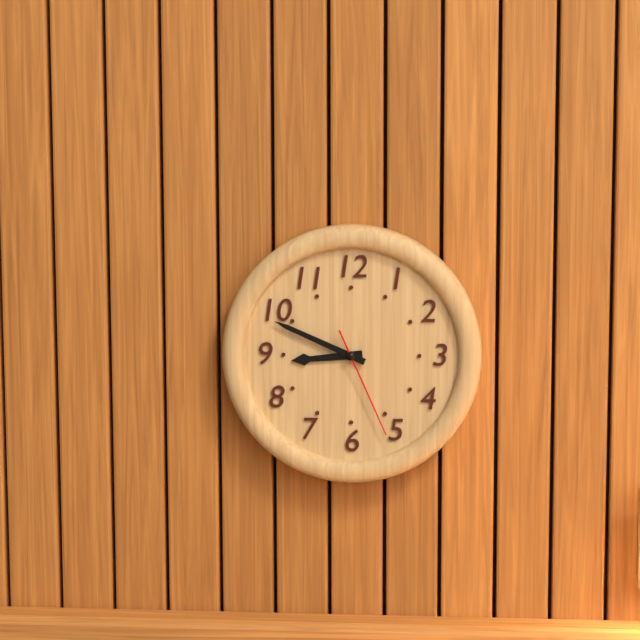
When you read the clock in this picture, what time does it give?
8:49:26
